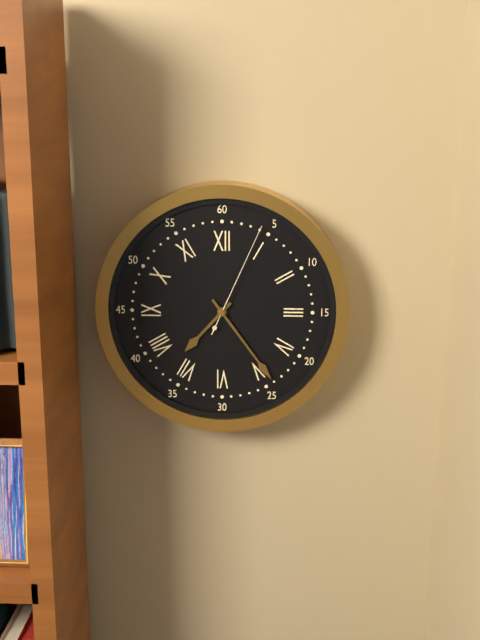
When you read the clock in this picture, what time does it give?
7:24:04
